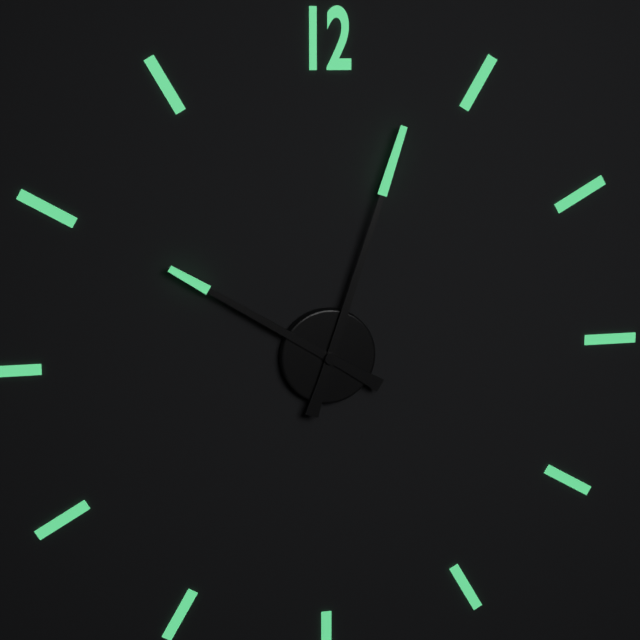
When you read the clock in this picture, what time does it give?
10:03
